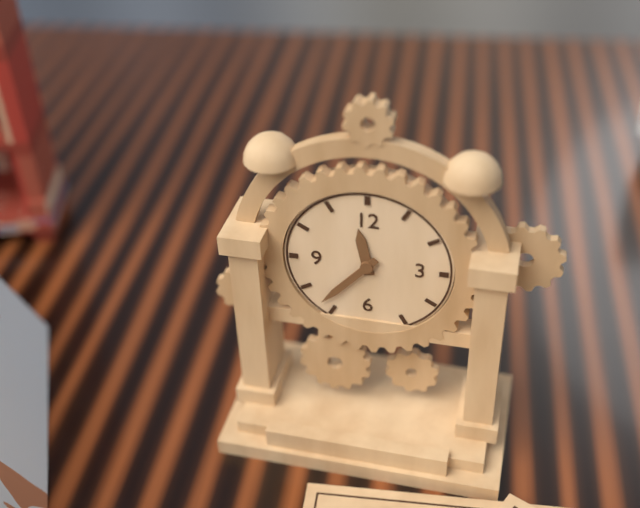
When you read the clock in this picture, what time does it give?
11:37
